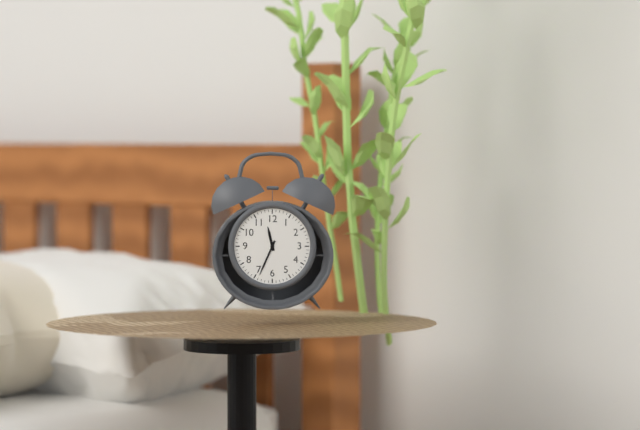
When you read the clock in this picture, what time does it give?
11:34
